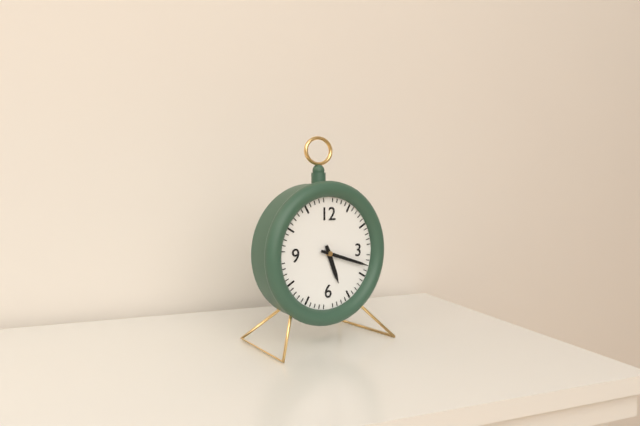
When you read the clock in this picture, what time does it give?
5:18
